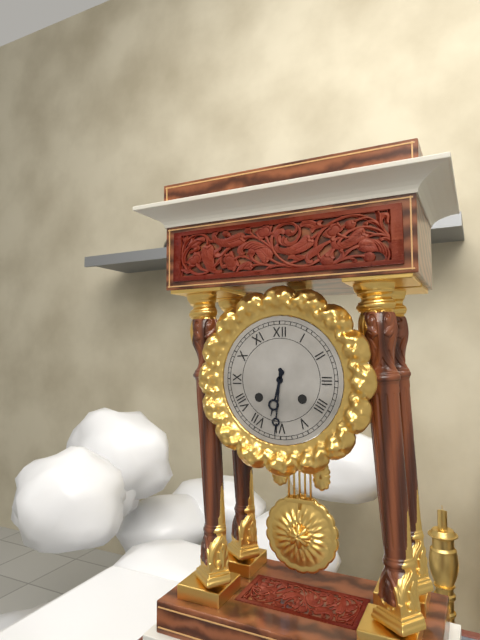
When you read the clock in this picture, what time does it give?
6:31
